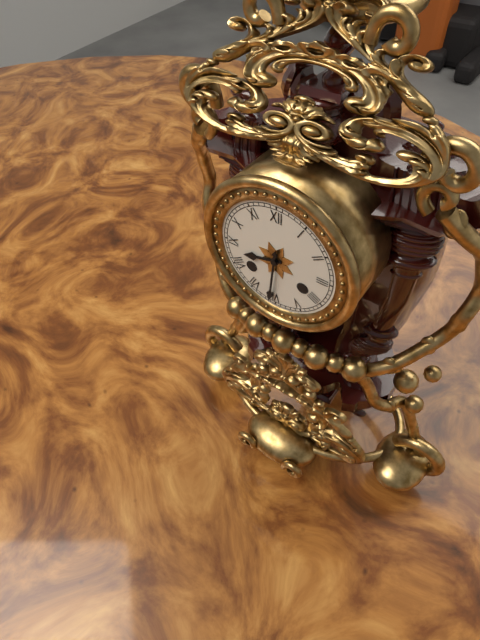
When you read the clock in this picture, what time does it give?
8:31
